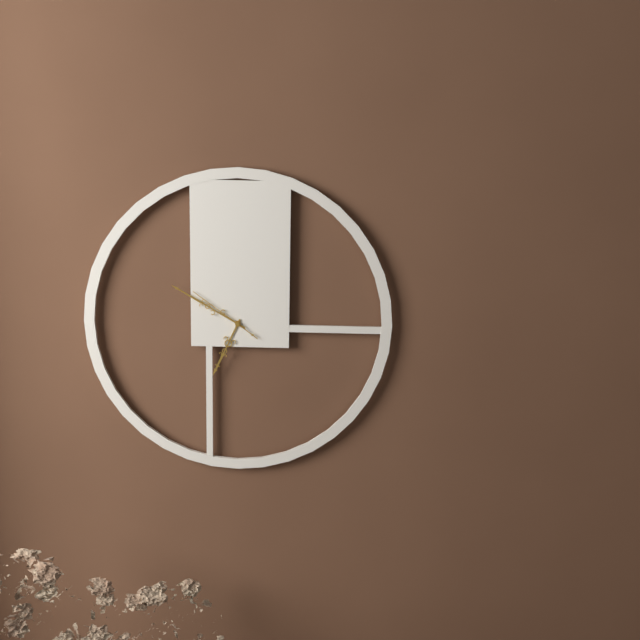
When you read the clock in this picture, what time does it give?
6:50:51
